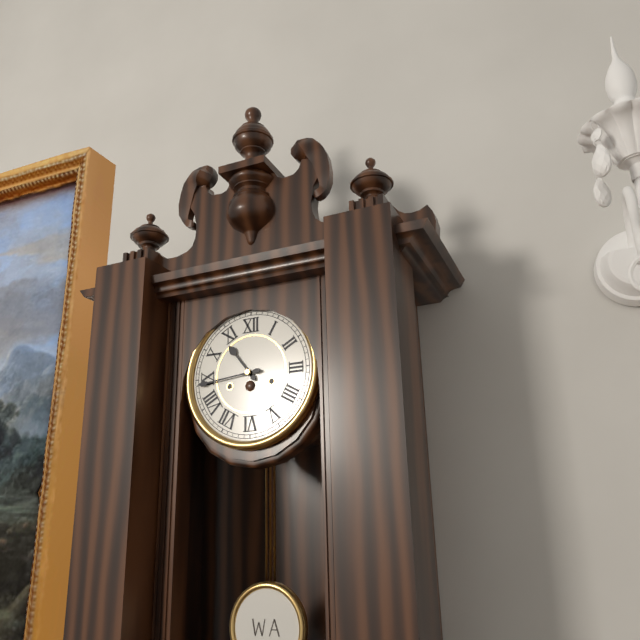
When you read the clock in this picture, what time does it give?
10:44
